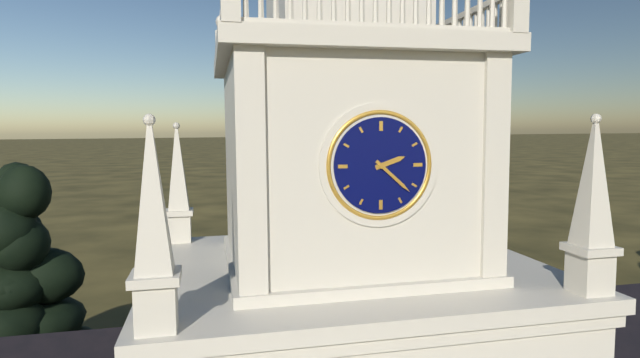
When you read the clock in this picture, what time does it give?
2:22
